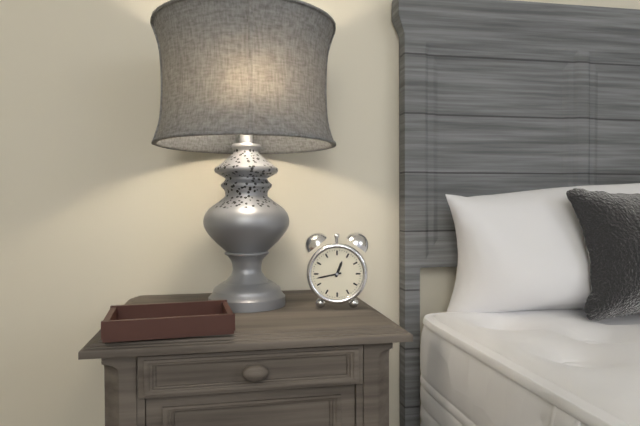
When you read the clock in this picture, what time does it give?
12:43
